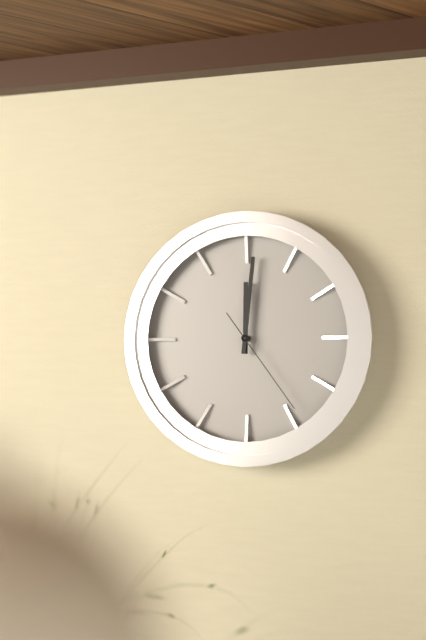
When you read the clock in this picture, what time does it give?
12:01:24
